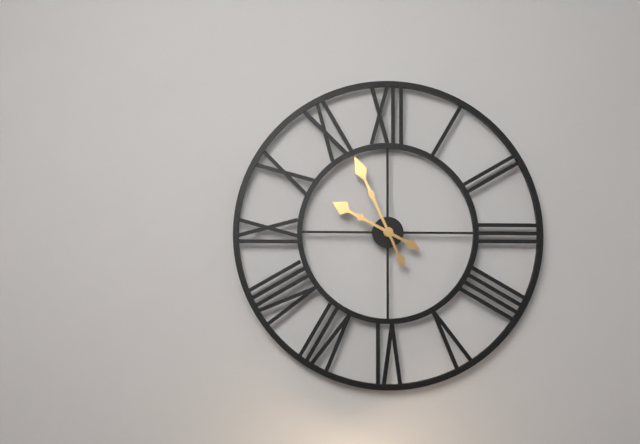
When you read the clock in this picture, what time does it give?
9:56
